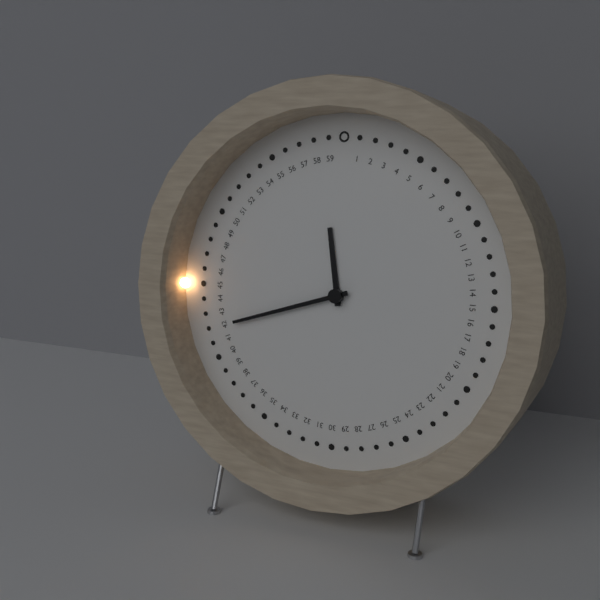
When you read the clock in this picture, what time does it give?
11:42
